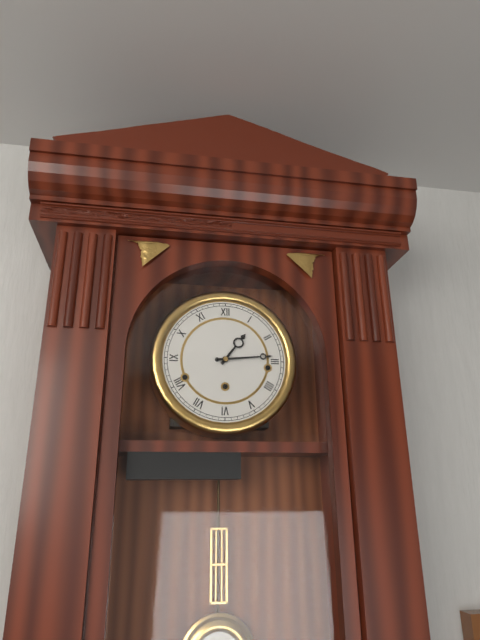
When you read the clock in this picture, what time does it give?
1:14
